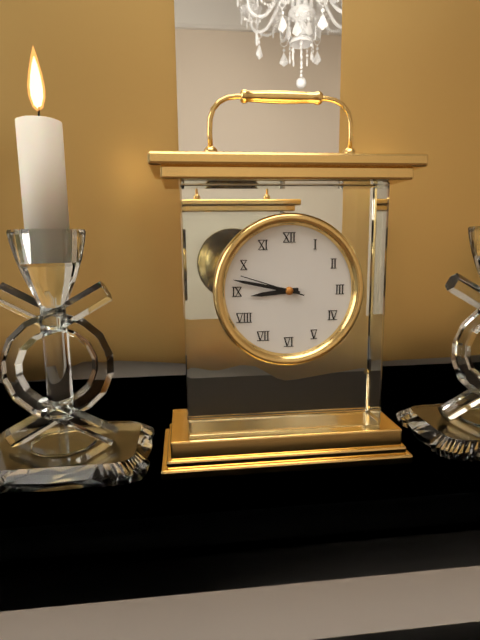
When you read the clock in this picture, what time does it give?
8:47:48
